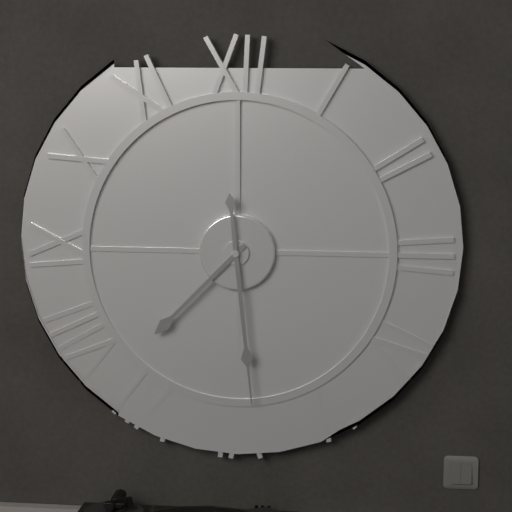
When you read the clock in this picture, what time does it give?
7:29
